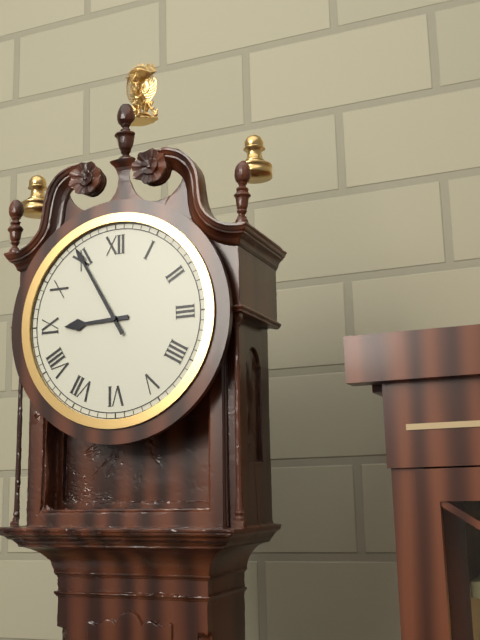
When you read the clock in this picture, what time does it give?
8:55
